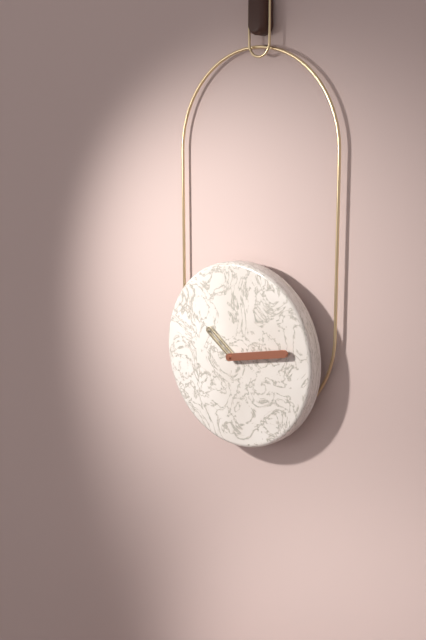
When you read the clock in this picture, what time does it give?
10:13
